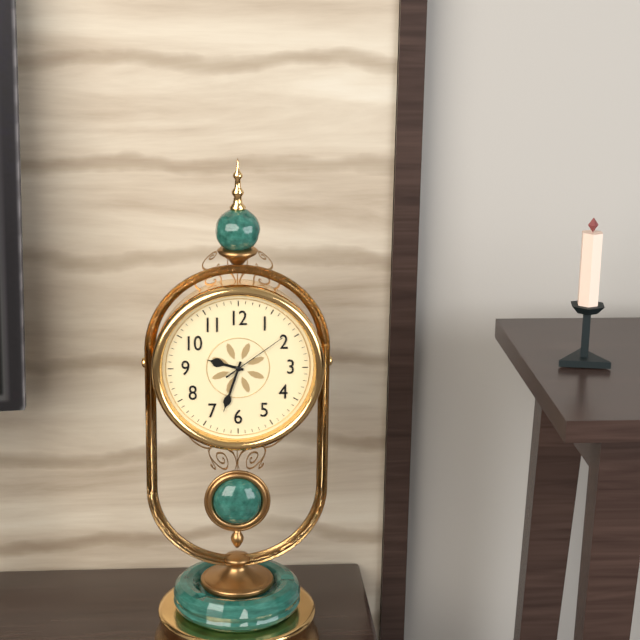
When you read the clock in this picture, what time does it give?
9:33:09
